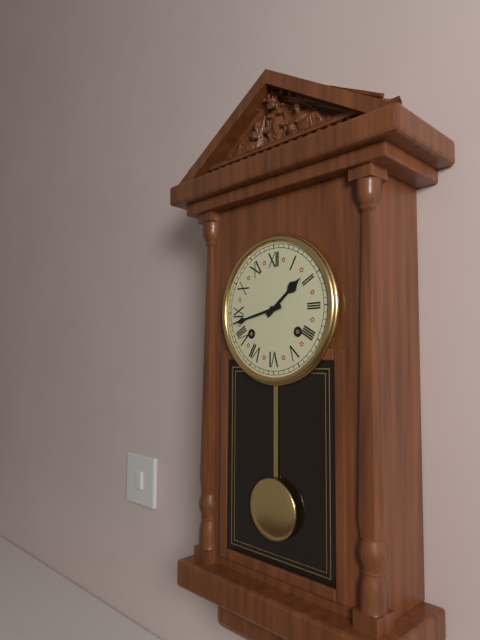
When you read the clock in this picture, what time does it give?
1:43
